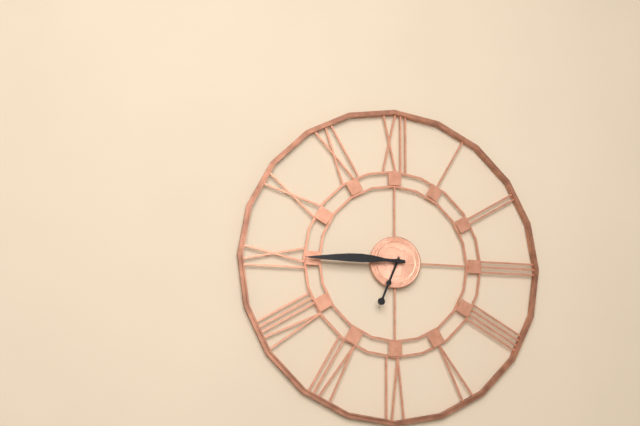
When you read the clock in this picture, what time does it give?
6:45
